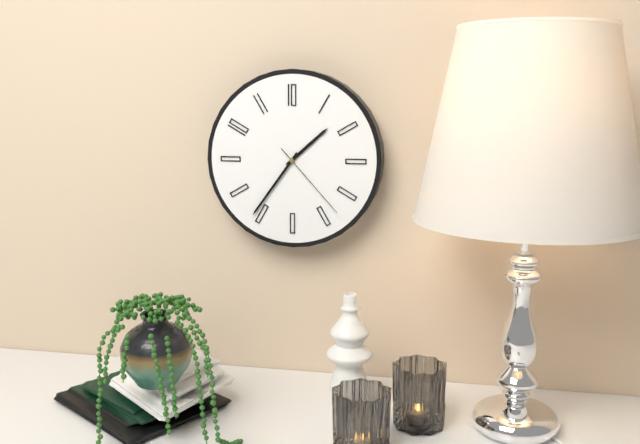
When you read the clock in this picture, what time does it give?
1:36:23
